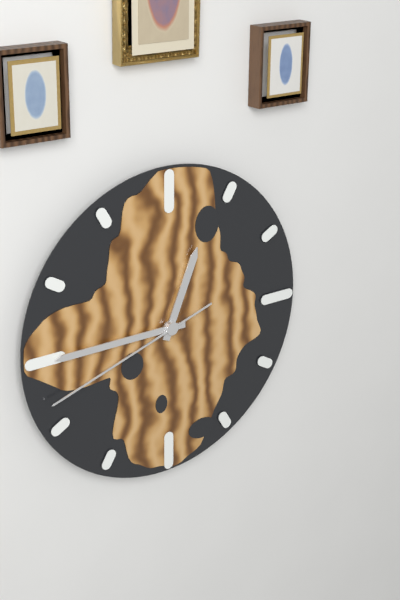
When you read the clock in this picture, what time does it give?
12:45:42
